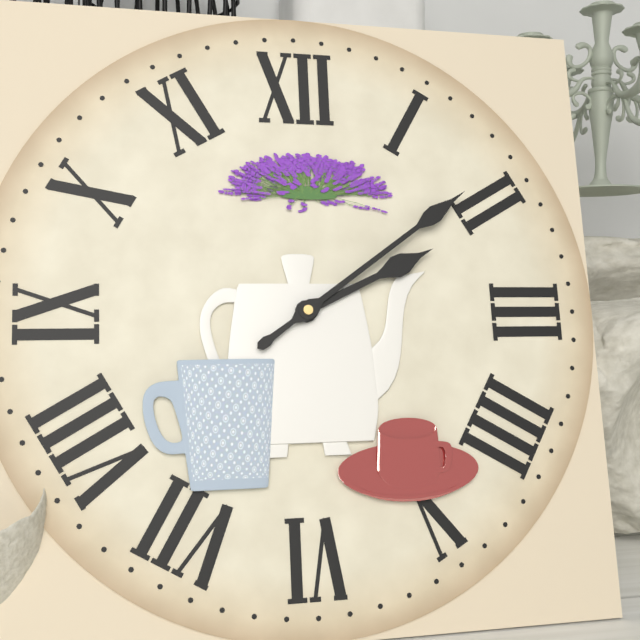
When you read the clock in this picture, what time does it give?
2:09
